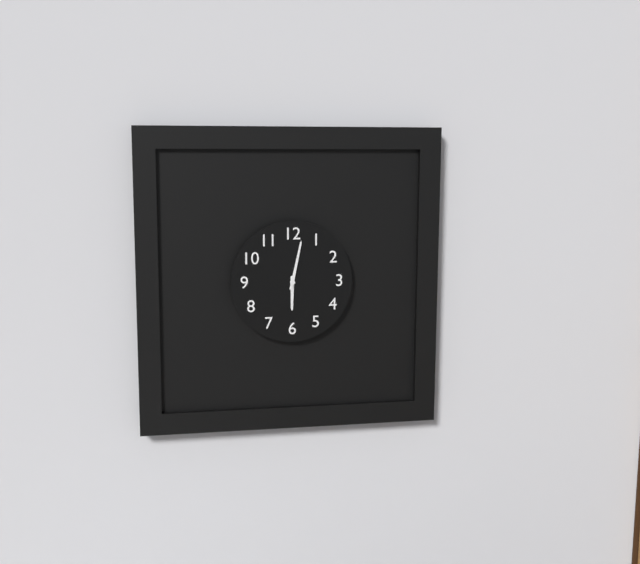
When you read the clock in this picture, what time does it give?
6:02
